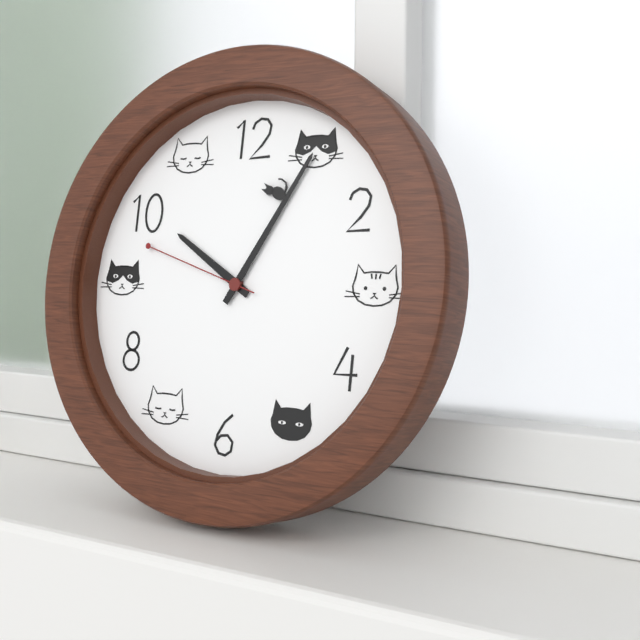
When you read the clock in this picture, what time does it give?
10:05:48
